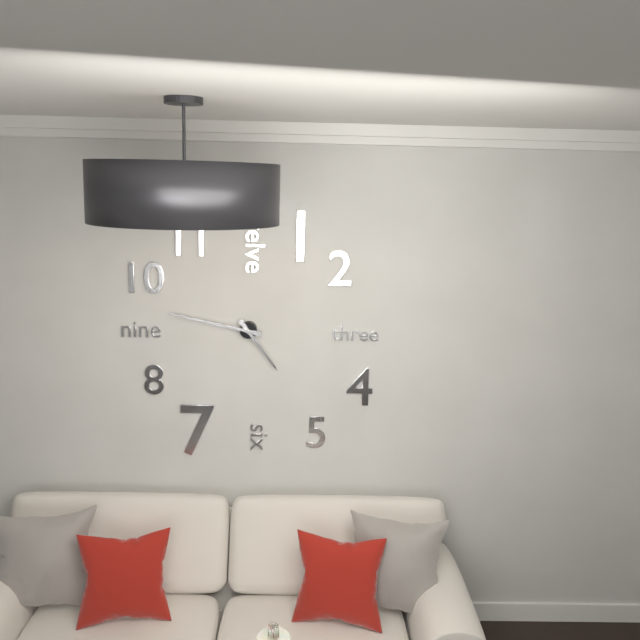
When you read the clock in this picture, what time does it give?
4:47
